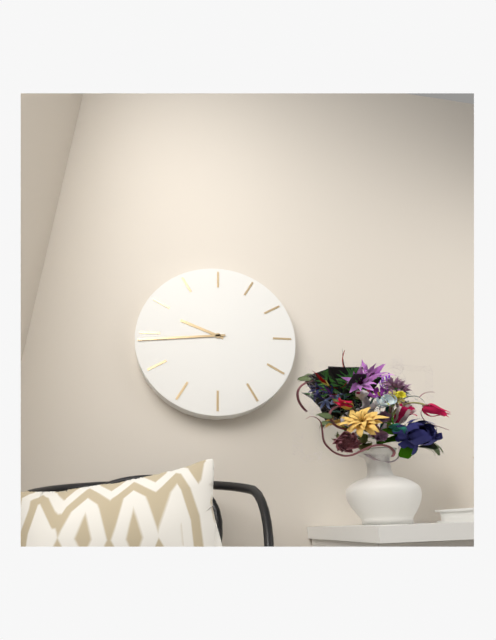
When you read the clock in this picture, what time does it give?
9:44
